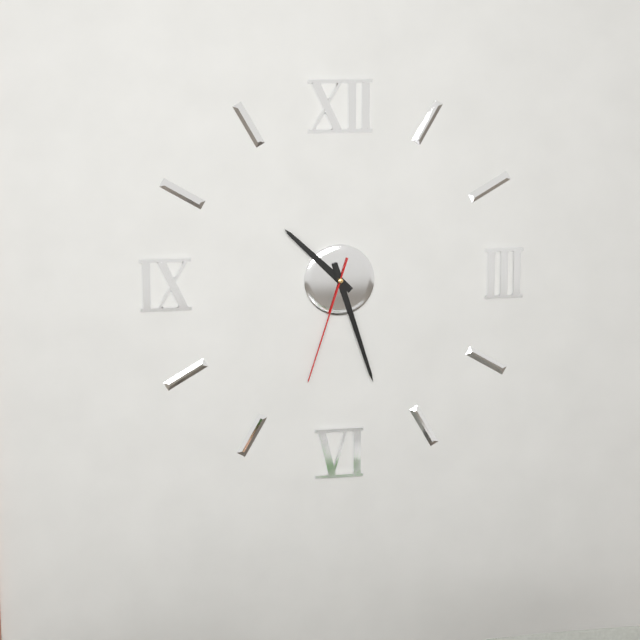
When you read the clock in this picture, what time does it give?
10:27:33
